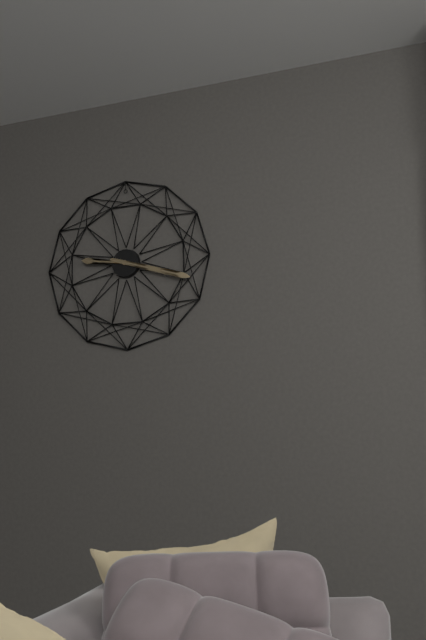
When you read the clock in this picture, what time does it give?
9:18
